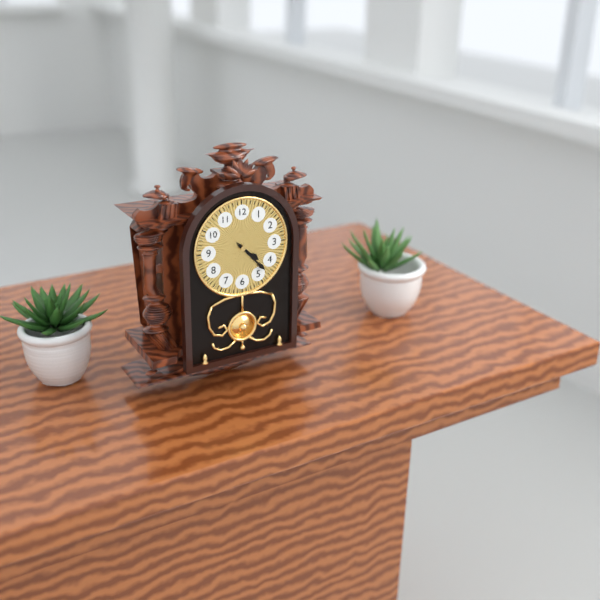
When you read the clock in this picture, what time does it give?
4:23
